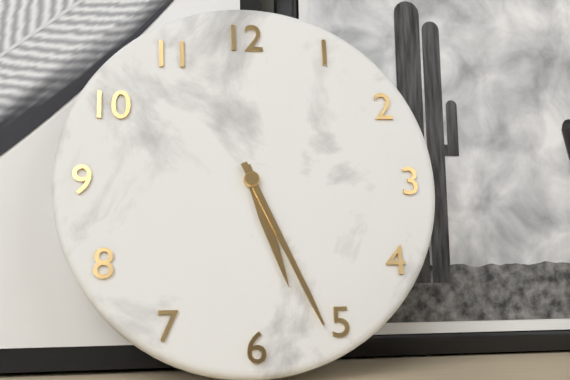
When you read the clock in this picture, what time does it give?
5:26
